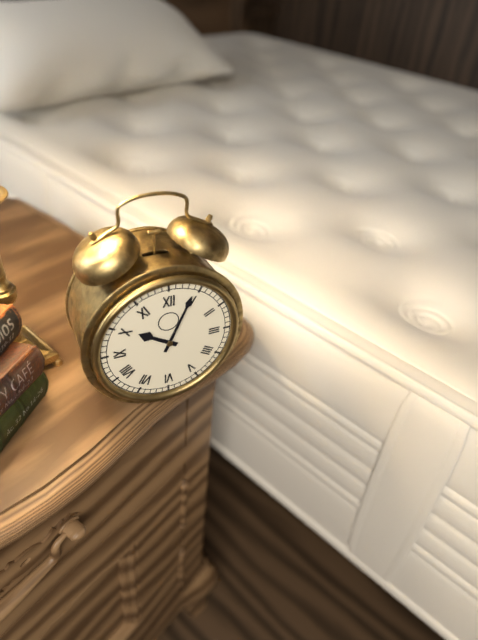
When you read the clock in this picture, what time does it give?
10:04
